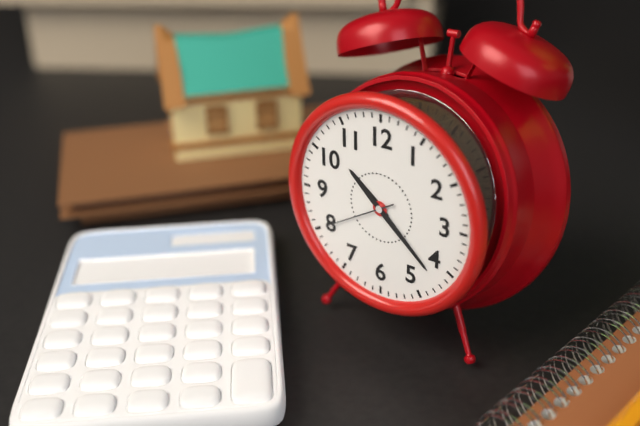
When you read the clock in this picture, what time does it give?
10:22:40
